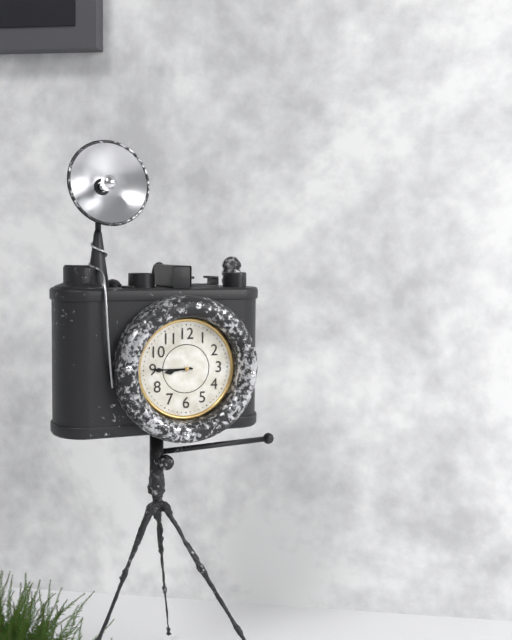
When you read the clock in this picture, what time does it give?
8:45
